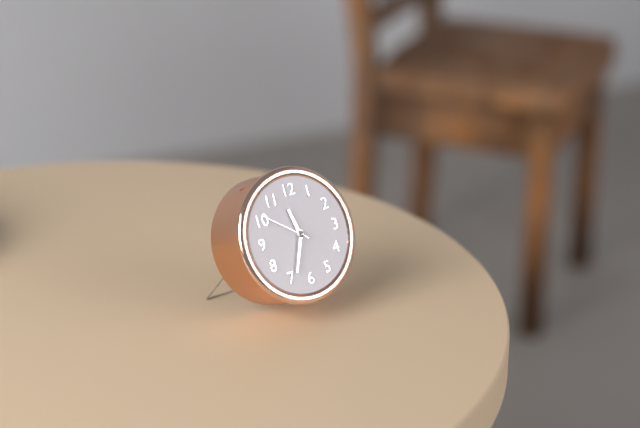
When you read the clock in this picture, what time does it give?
11:34:51
